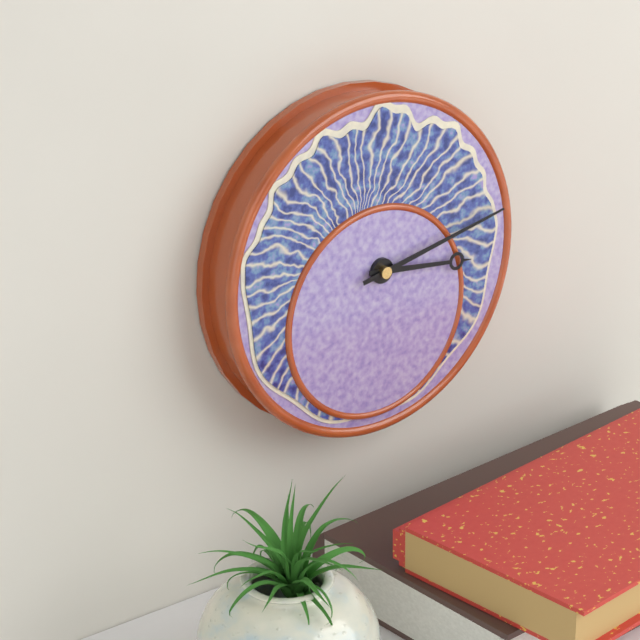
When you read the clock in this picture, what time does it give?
3:13
